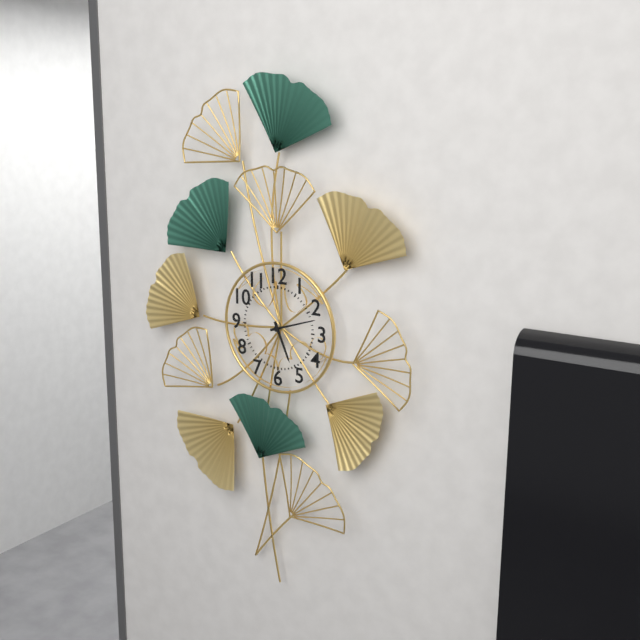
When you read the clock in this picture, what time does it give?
5:12
